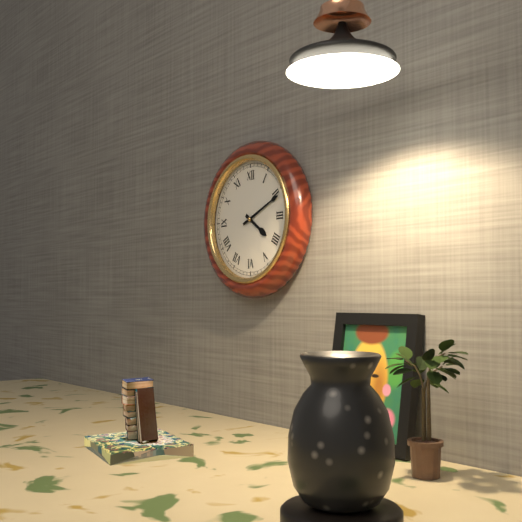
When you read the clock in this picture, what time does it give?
4:11
